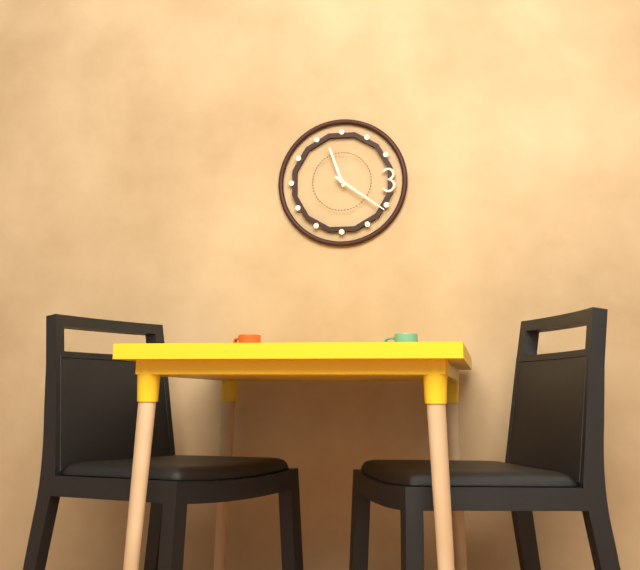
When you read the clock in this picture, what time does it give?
11:21
